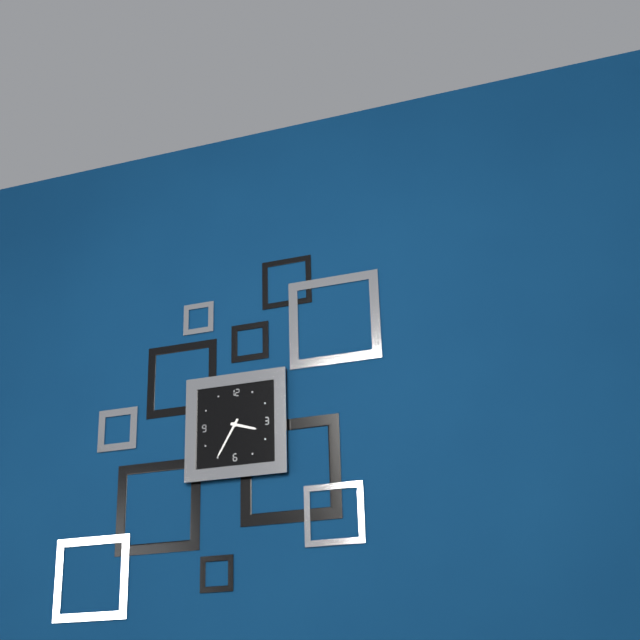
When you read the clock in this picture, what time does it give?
3:35
